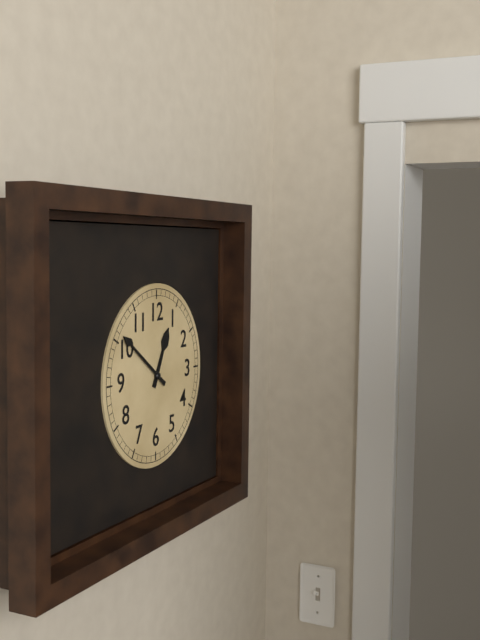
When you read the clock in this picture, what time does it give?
12:51
